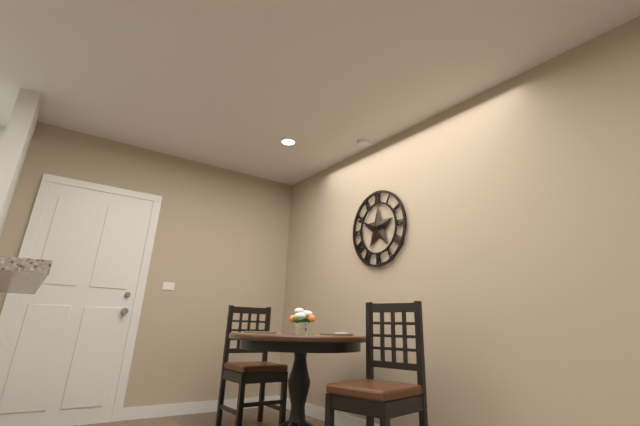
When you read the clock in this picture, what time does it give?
2:49
